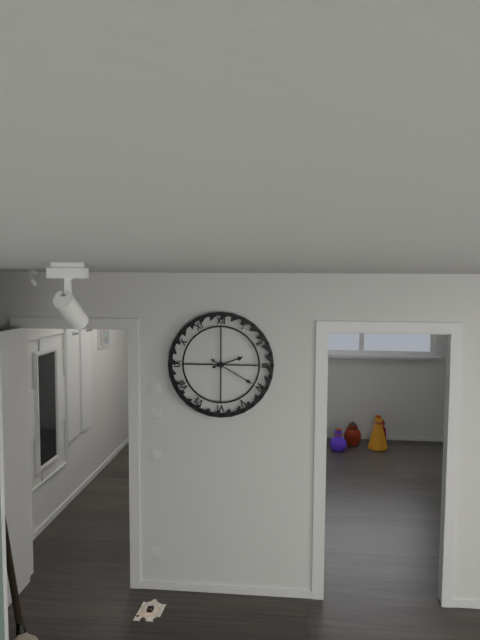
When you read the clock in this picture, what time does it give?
2:20
